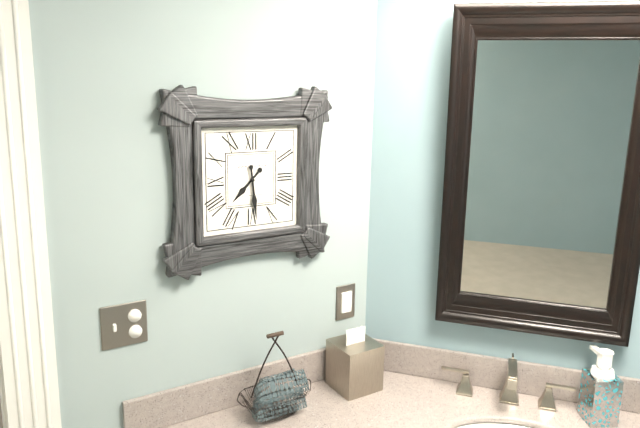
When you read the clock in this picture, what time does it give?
7:29
